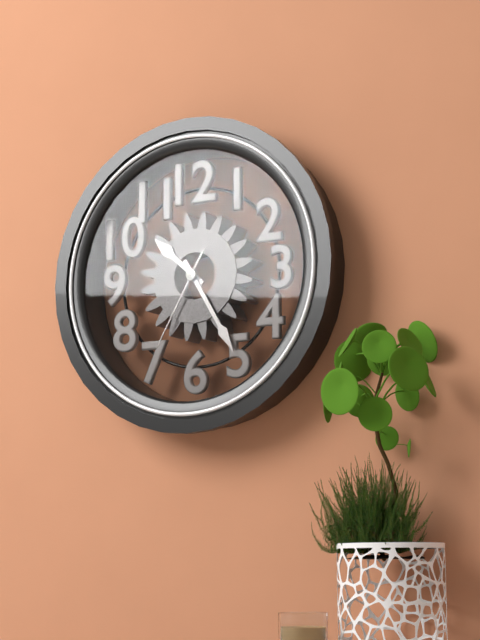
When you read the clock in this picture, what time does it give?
10:25:35
